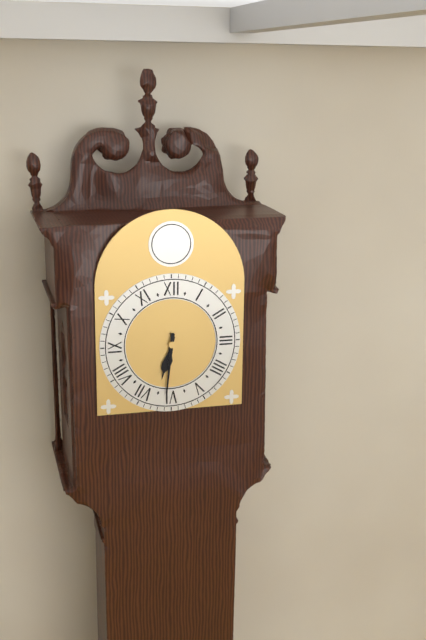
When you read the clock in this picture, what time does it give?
6:31
